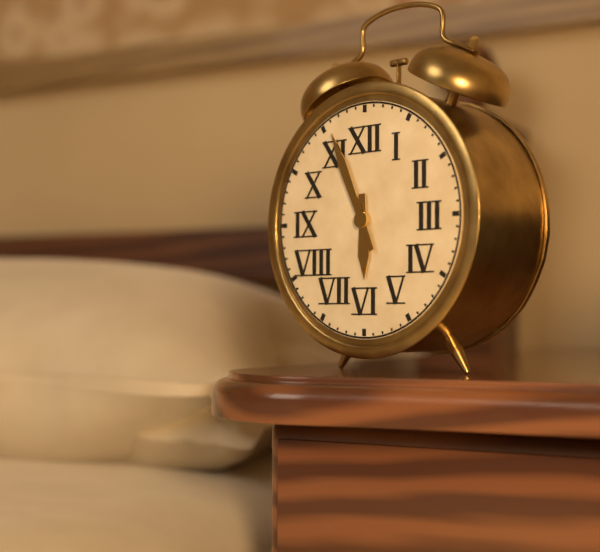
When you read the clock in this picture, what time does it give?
5:56
